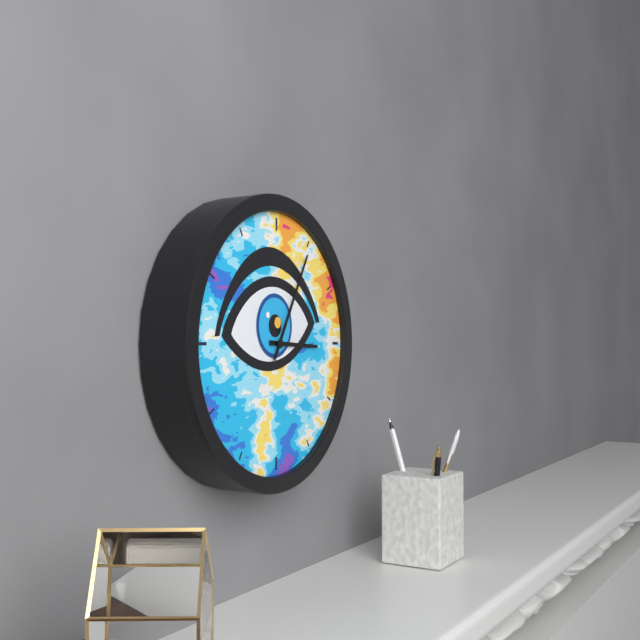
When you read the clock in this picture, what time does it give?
3:05
